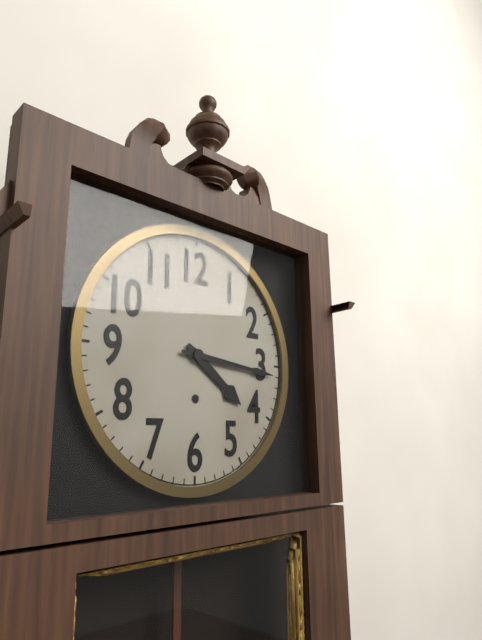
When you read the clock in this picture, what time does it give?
4:16
